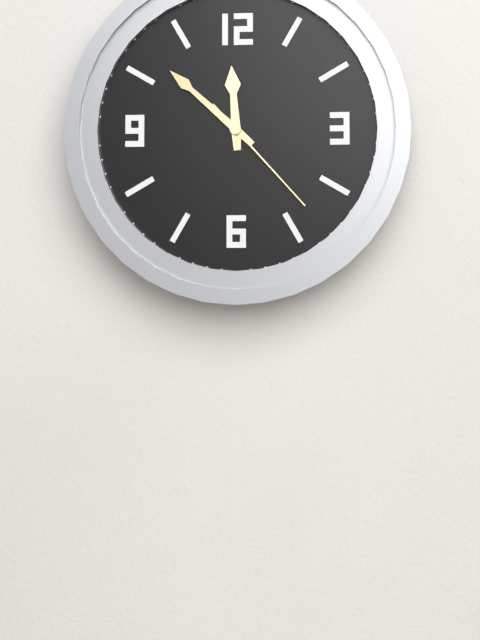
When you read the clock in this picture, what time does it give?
11:52:23
